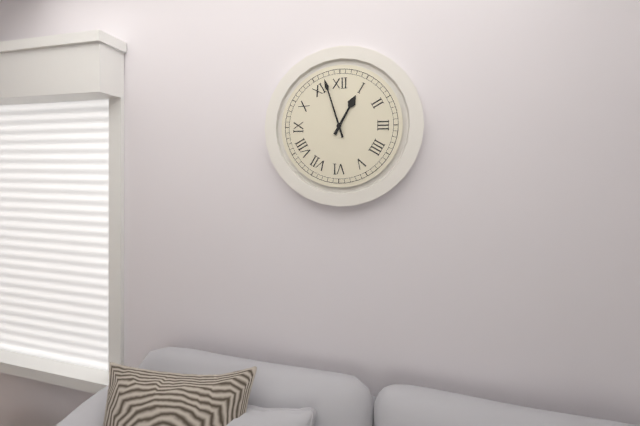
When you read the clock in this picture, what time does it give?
12:57
